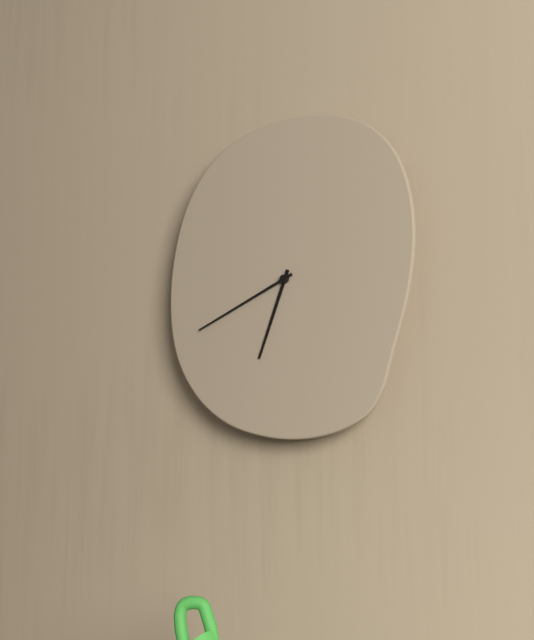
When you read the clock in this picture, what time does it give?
6:41
